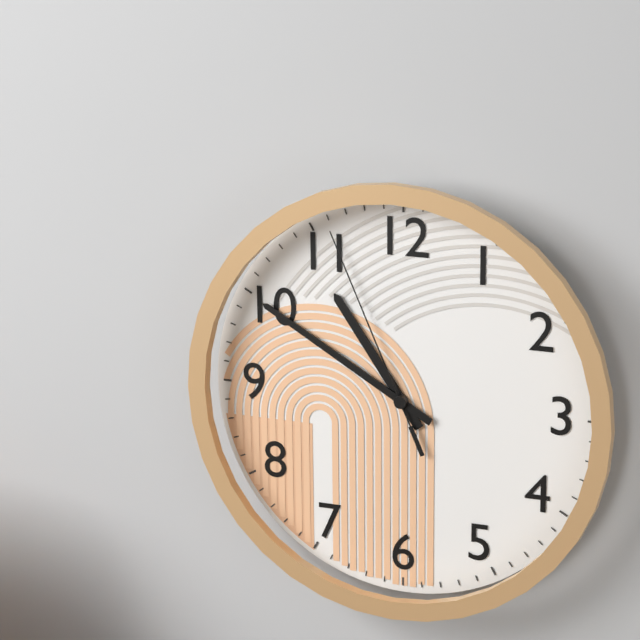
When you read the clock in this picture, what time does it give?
10:50:56
